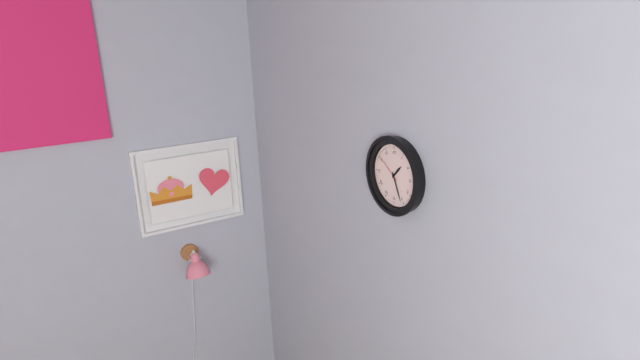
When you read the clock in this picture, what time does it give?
1:26
